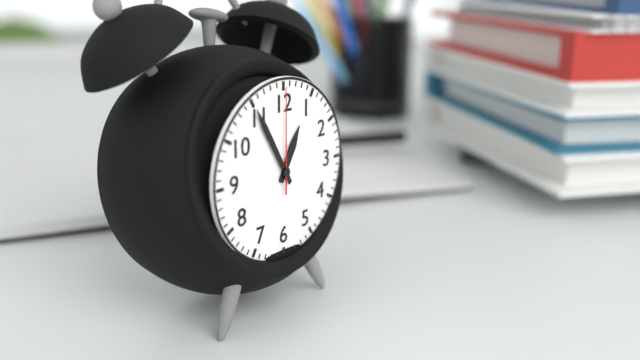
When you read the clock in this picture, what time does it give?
12:55:00
